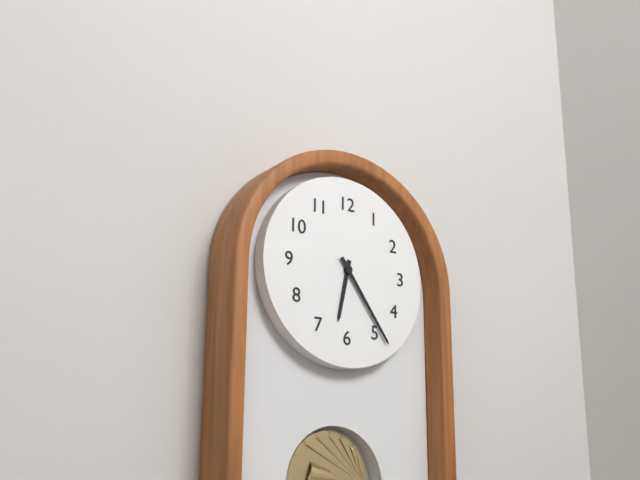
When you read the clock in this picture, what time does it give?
6:24
